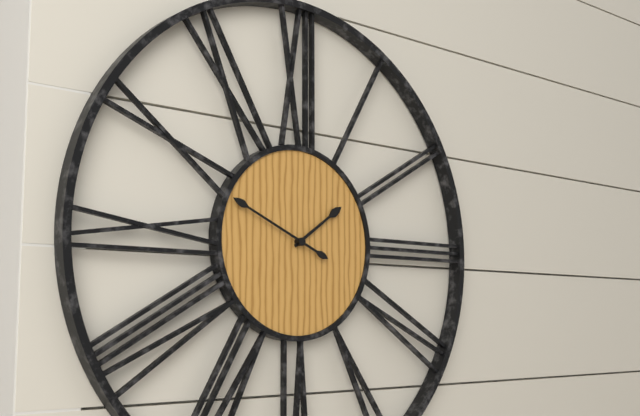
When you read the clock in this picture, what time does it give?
1:49
